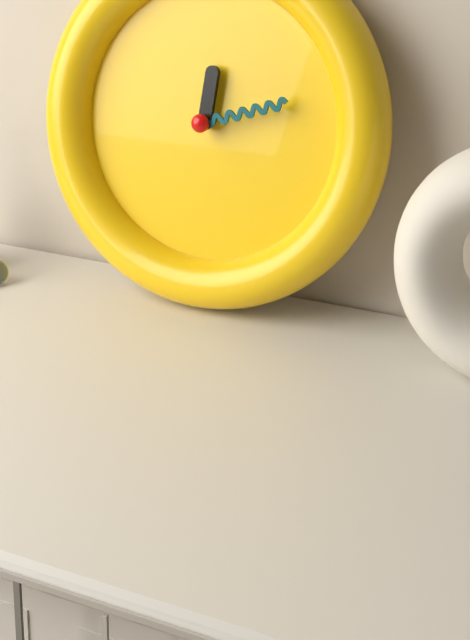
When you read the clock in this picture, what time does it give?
12:12
